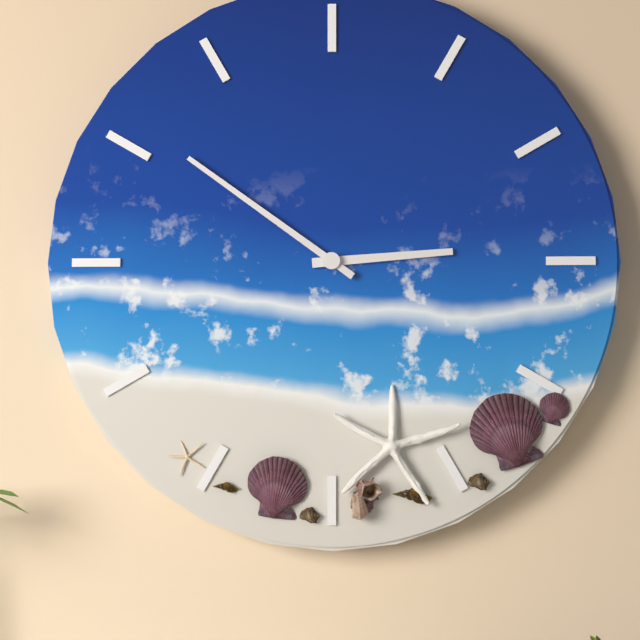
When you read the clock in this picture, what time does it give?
2:51
